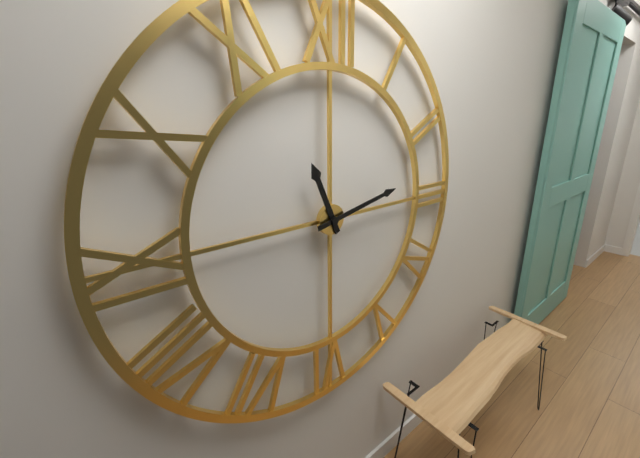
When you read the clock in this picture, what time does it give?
11:13
